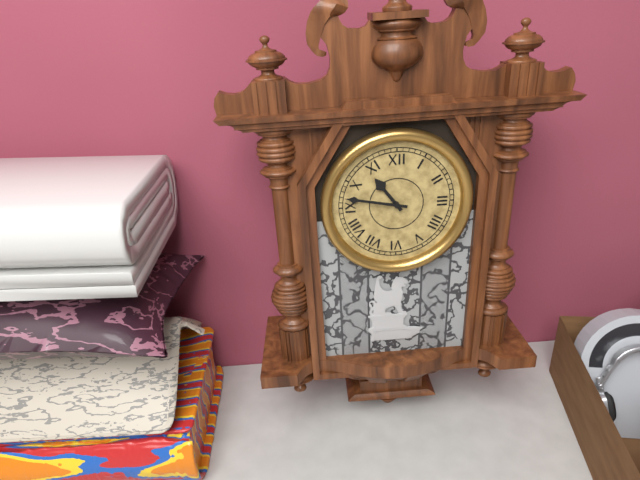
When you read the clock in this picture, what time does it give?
10:47
